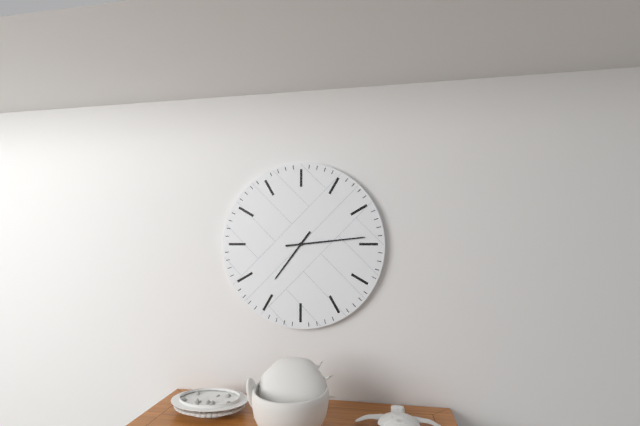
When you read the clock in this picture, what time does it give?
7:14
